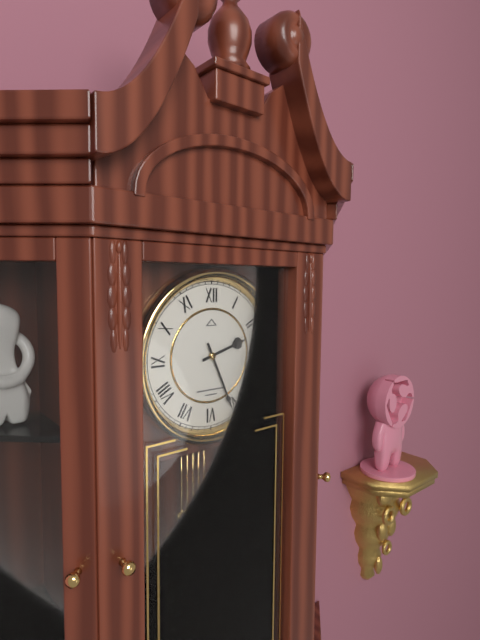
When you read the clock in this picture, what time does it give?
2:26
